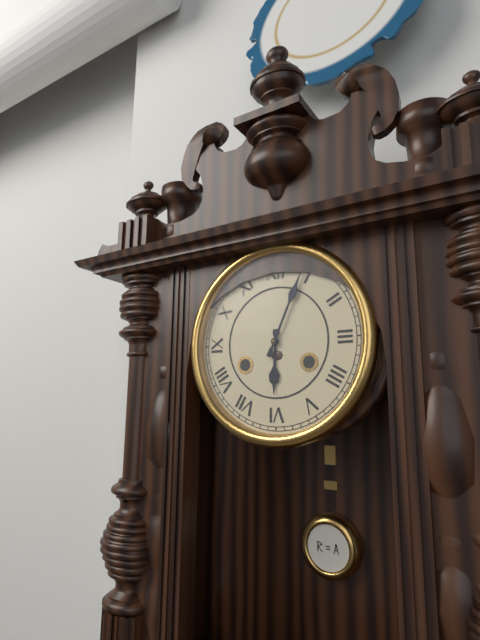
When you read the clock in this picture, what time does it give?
6:04
